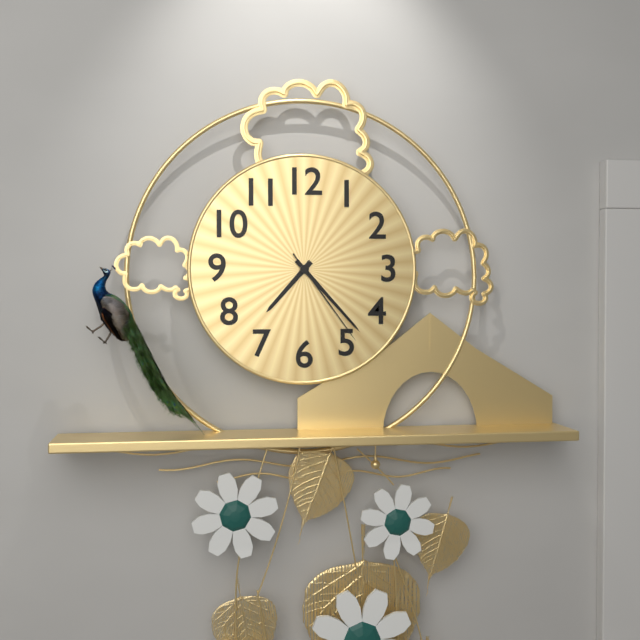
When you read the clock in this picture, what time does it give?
7:23:24
